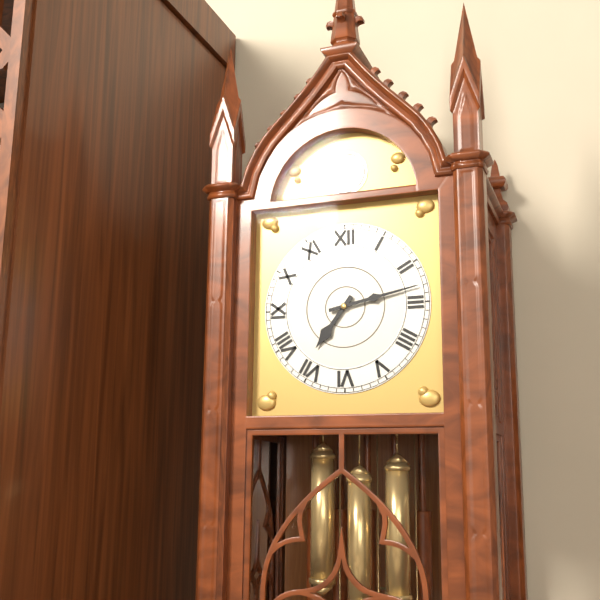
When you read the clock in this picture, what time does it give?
7:13
